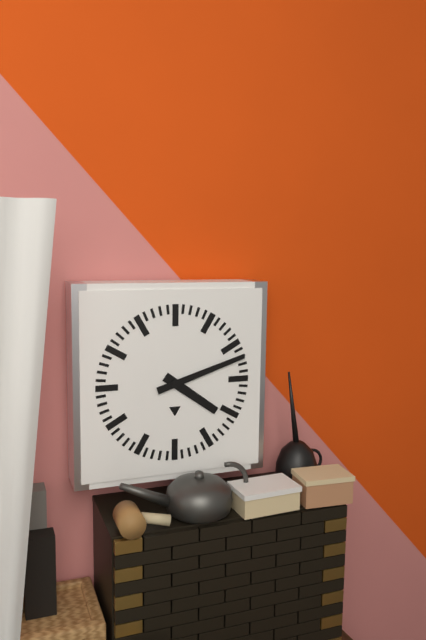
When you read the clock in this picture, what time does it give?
4:12
